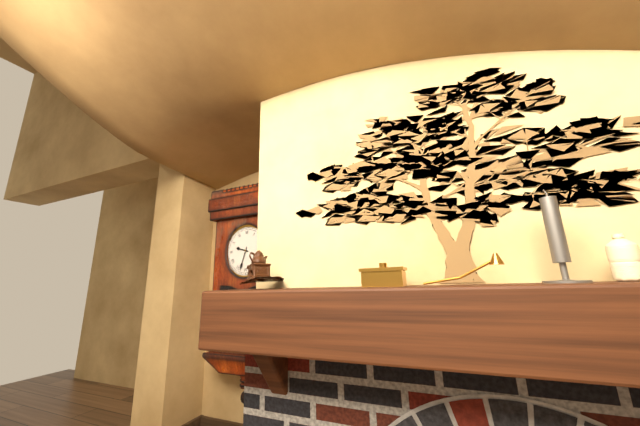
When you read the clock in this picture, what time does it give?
9:33
